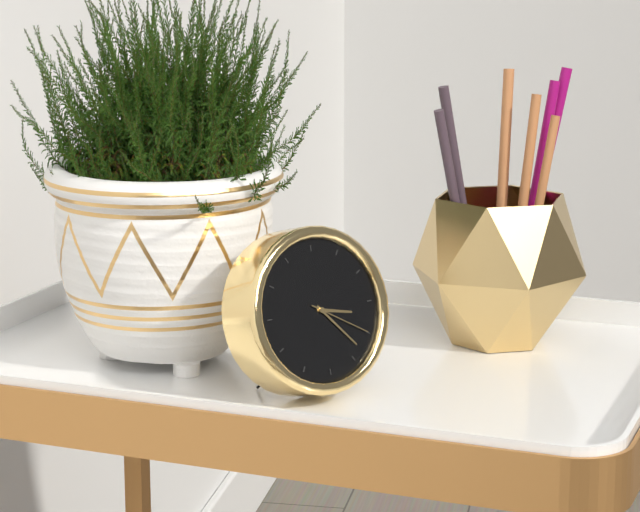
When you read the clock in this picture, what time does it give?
3:23:20
